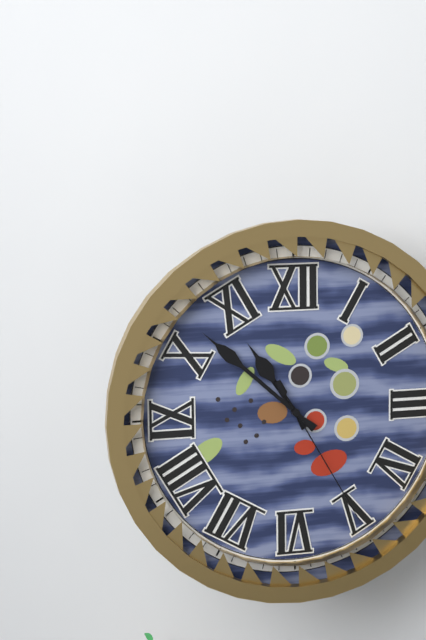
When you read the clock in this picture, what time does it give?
10:52:25
